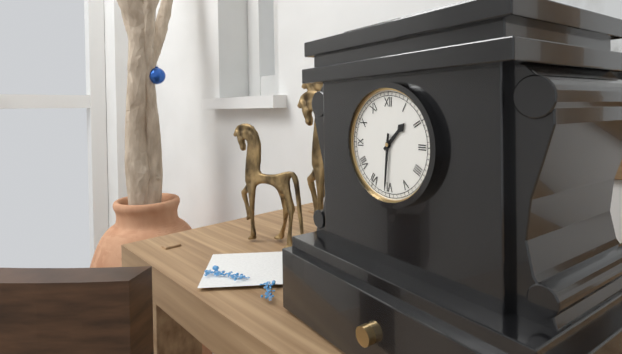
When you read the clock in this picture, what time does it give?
1:31
